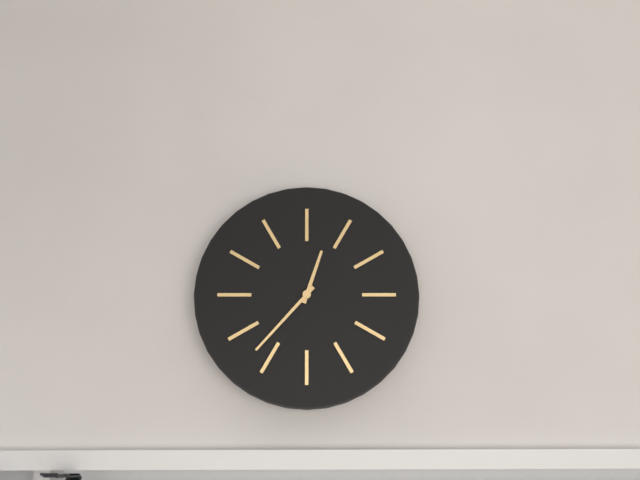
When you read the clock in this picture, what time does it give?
12:37
